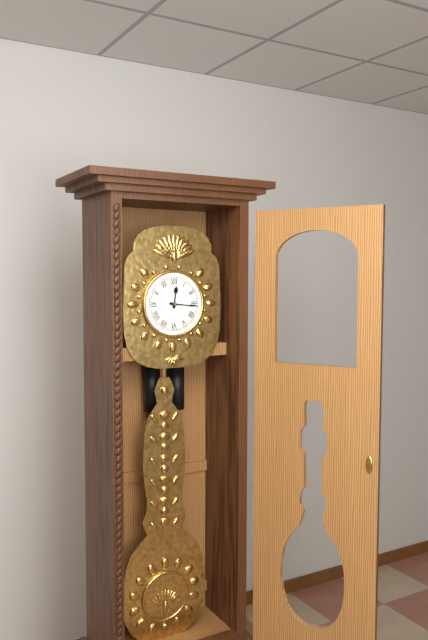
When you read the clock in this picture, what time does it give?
12:16
